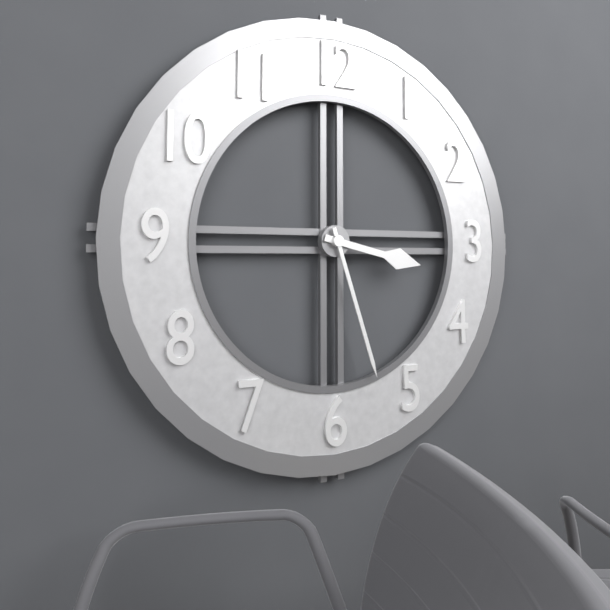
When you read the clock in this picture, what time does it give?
3:27
